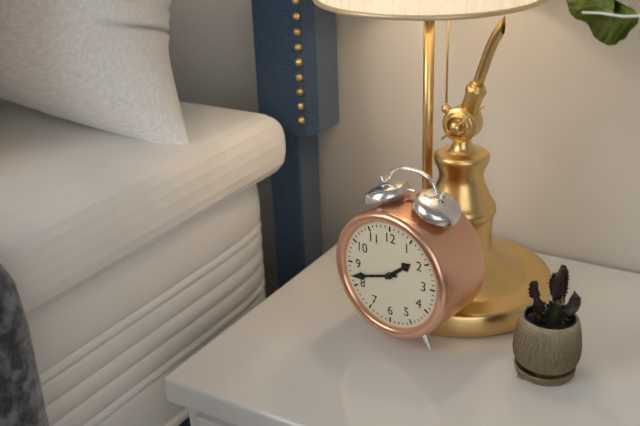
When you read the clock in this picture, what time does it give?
1:42
